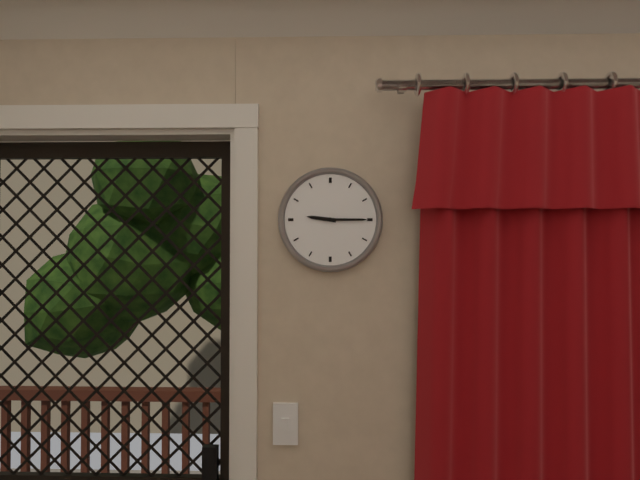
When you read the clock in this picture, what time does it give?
9:15
